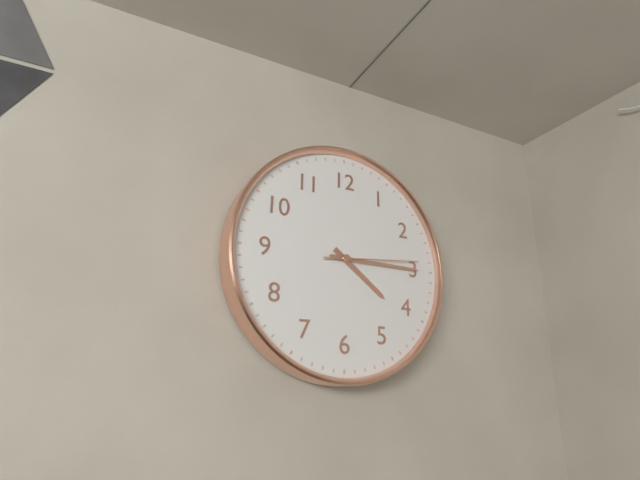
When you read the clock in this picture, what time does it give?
4:15:14
